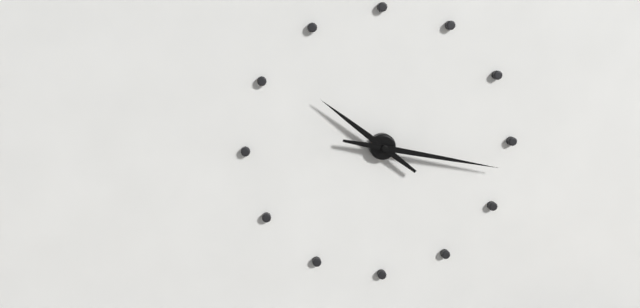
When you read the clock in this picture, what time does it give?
10:17
